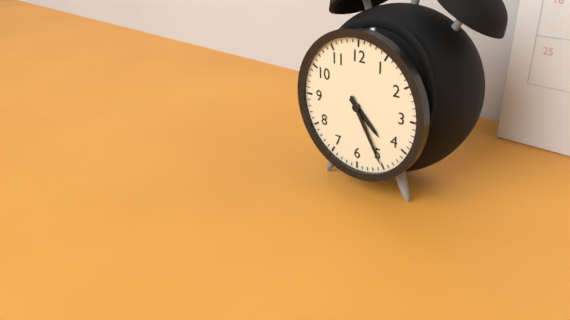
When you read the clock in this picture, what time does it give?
4:25
